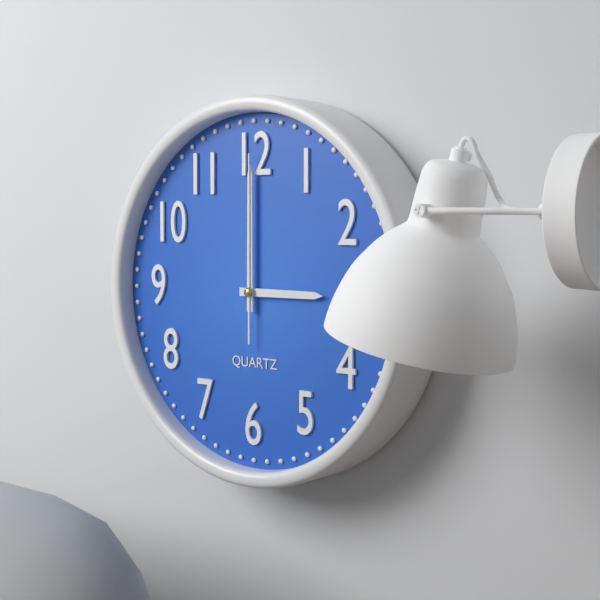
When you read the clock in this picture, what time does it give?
3:00:00
